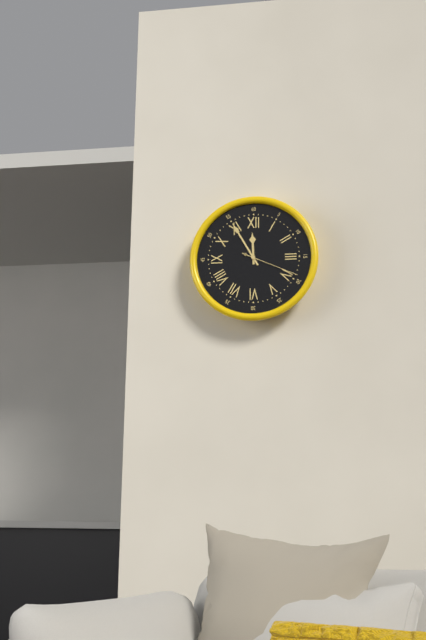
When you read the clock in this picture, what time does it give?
11:55:19
